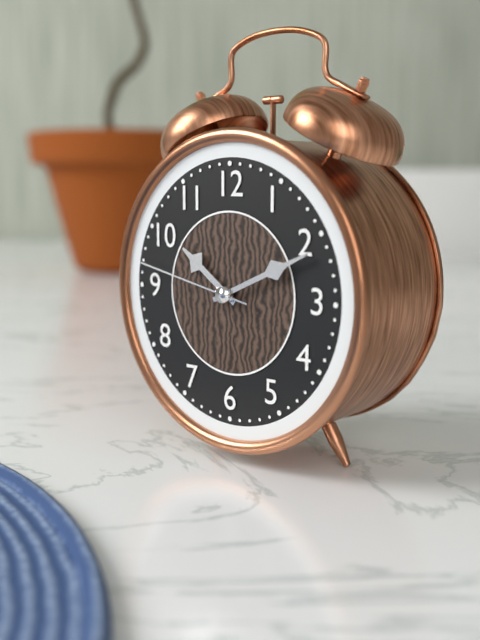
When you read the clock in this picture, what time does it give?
10:11:47
